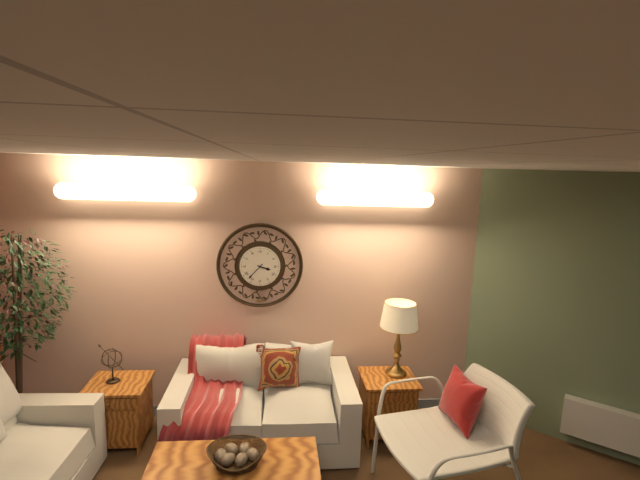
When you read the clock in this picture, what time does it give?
3:37
